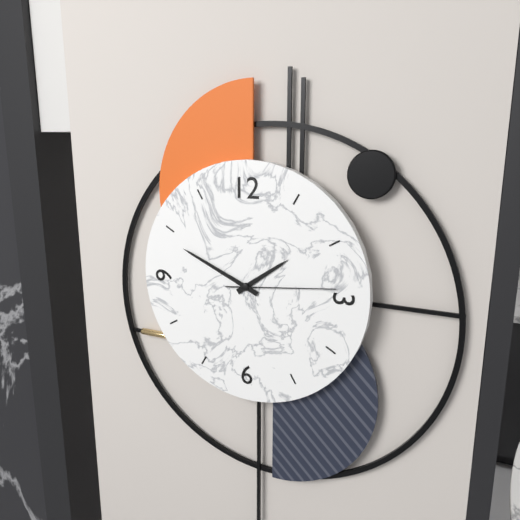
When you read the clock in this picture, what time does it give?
1:49:14
